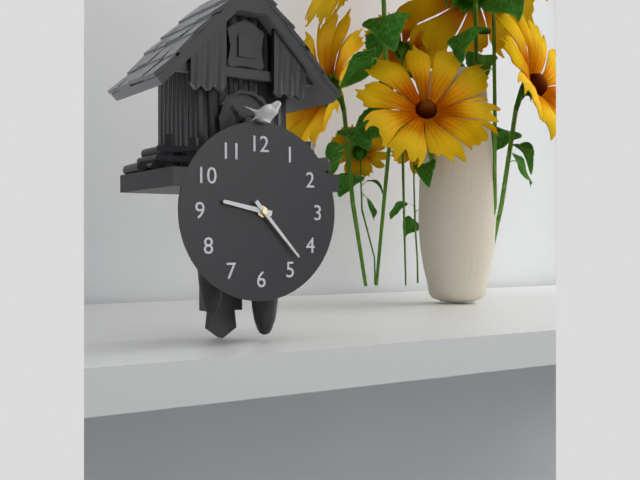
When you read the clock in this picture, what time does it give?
9:23
